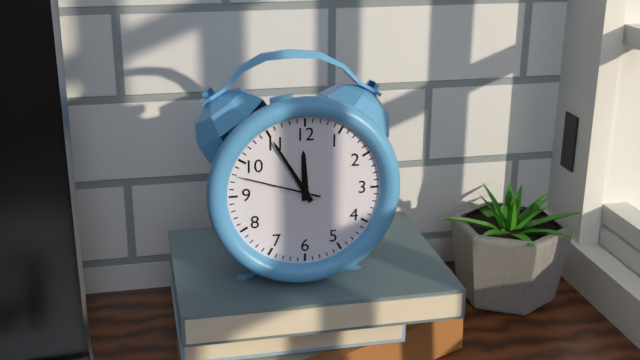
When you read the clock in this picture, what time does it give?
11:55:48
